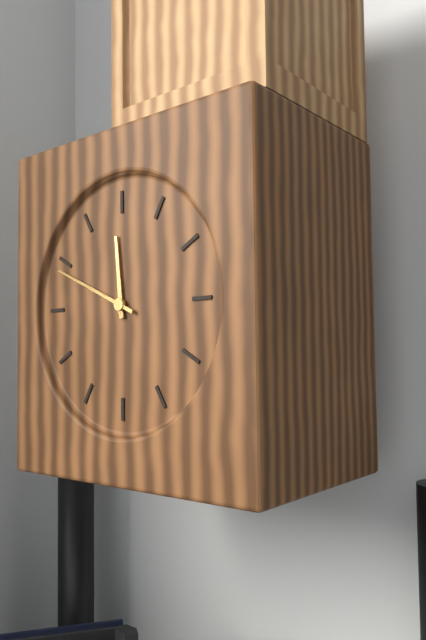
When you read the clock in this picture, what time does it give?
11:49
